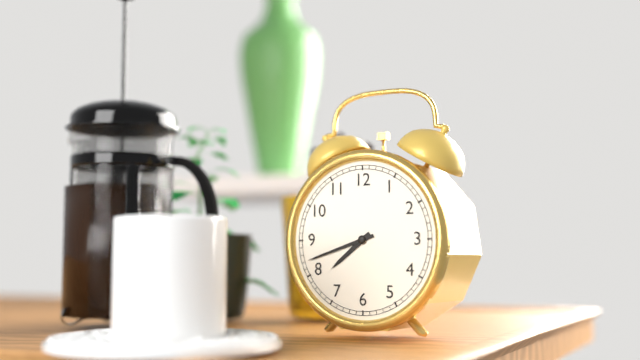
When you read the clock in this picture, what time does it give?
7:42
